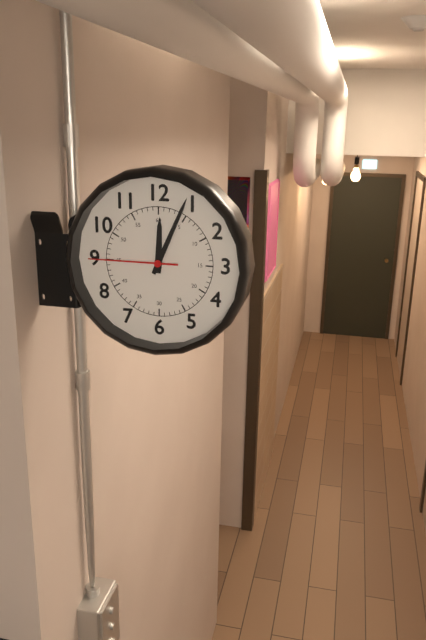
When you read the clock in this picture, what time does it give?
12:04:45
